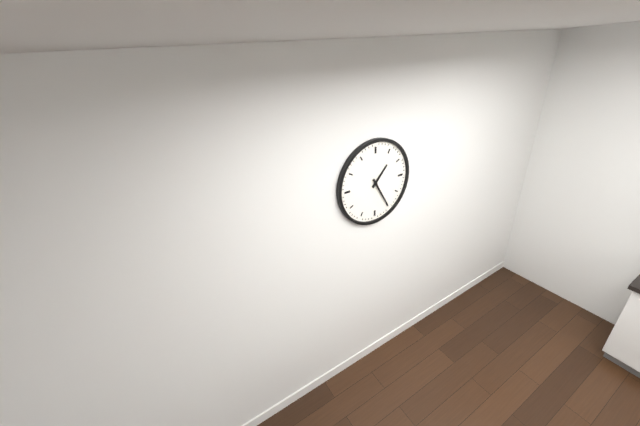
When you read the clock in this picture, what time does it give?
1:25
